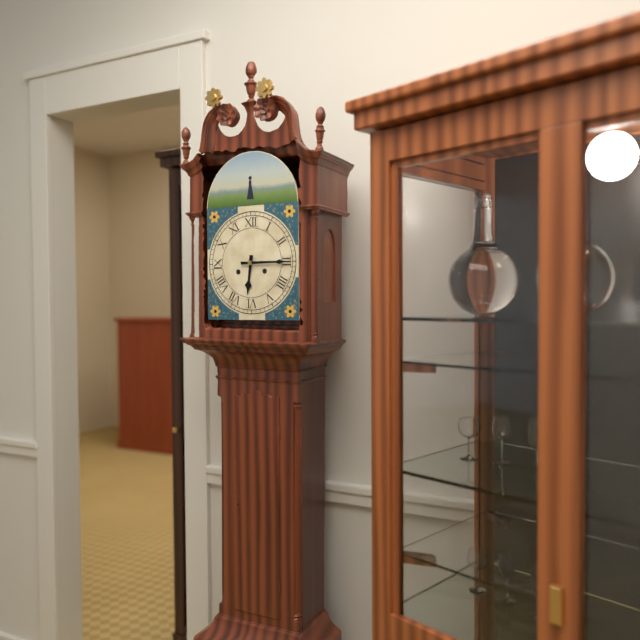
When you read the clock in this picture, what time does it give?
6:15
